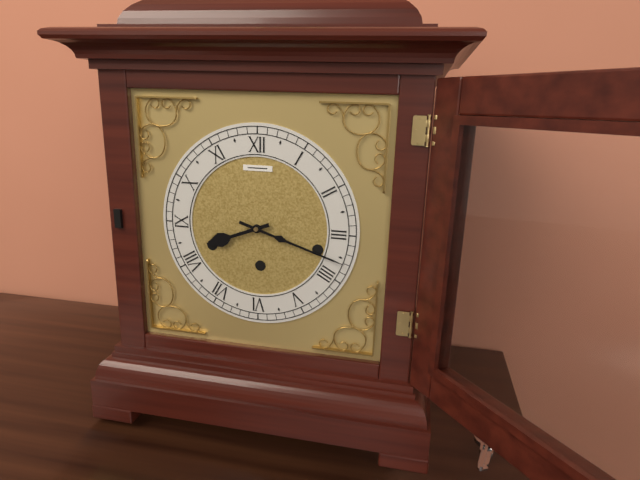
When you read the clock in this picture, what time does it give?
8:18
